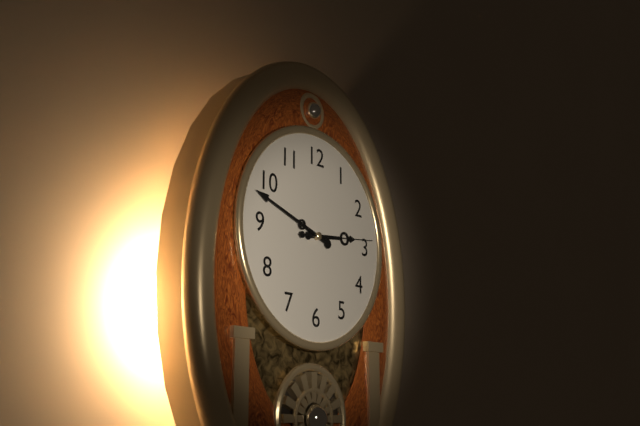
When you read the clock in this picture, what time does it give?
2:48:14
